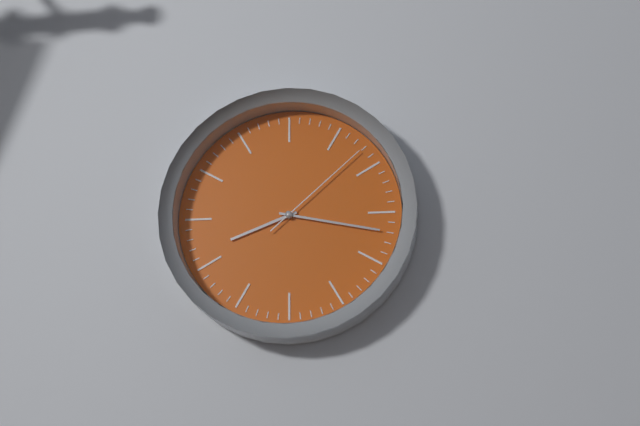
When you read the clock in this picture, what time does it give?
8:17:08
